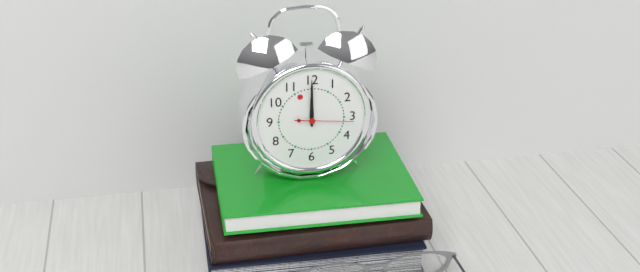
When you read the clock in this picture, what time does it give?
12:00:16
